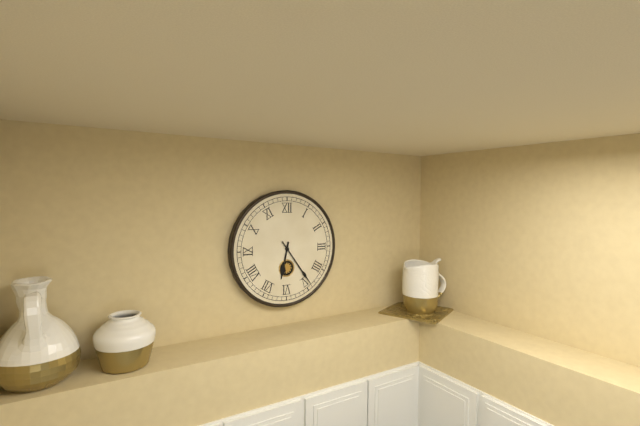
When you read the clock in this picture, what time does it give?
6:24
